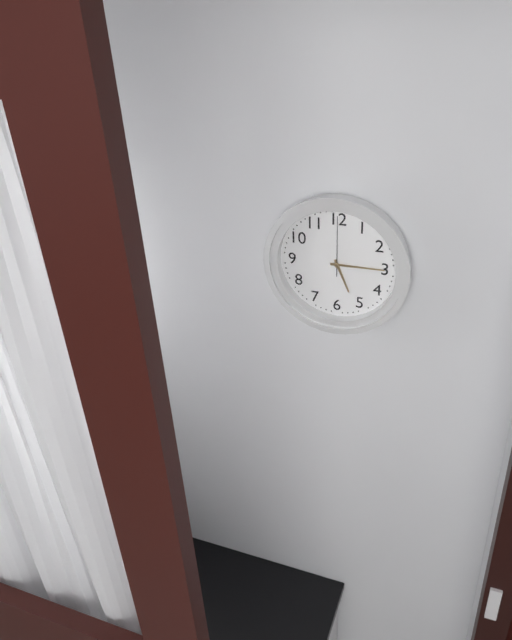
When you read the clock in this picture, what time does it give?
5:15:00
